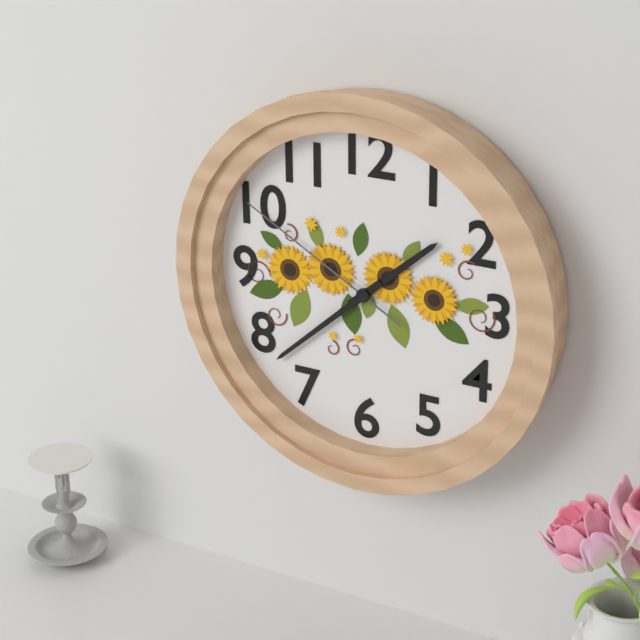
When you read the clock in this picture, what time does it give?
1:38:50
